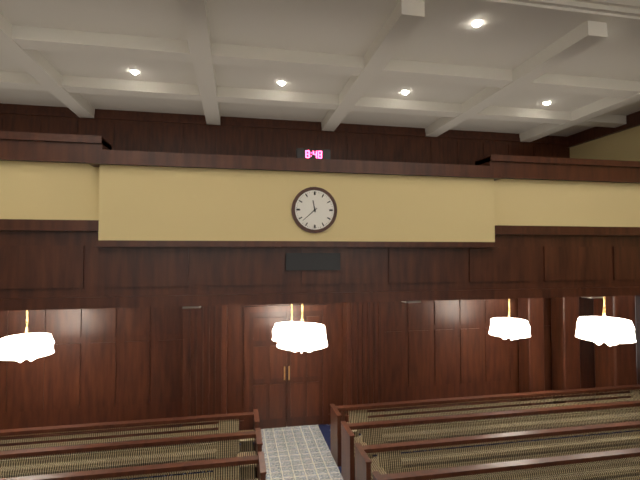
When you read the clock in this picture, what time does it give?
11:38
